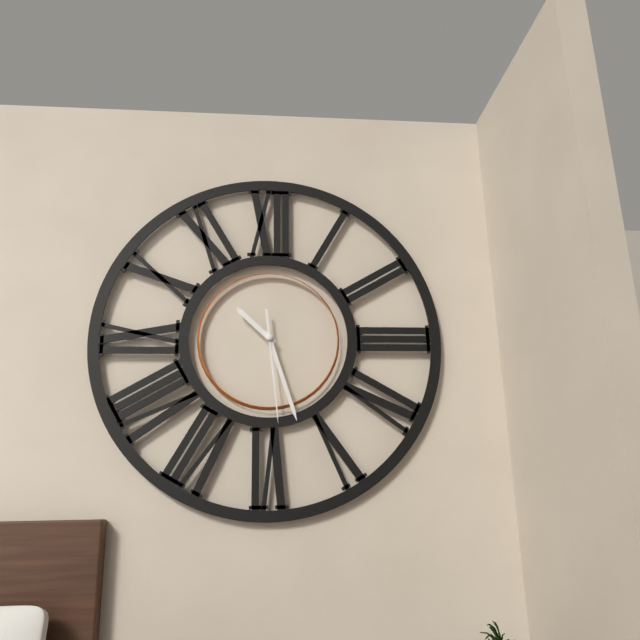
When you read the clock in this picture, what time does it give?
10:27:29
